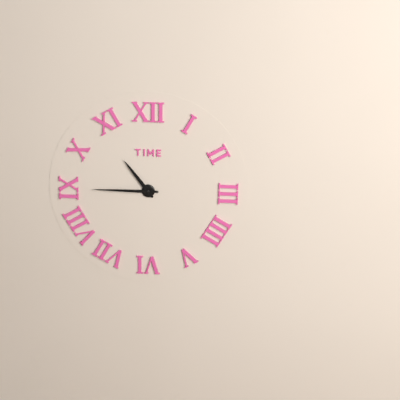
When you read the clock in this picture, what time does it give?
10:45
